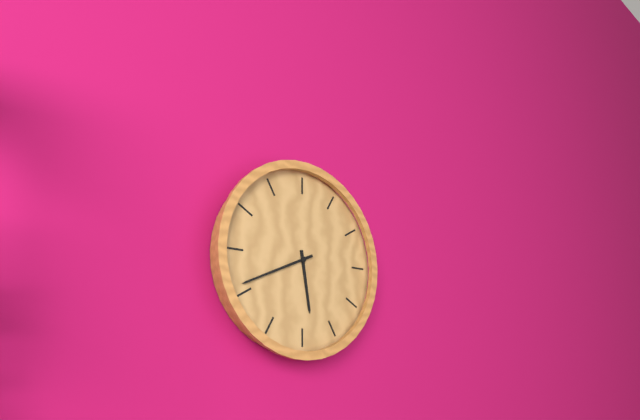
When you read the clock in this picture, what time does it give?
5:41
